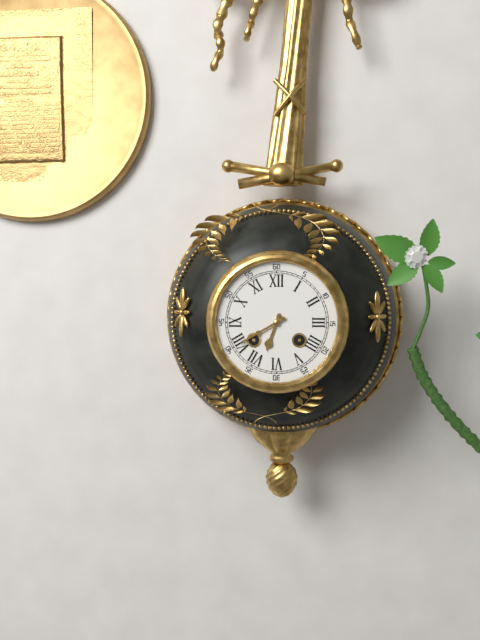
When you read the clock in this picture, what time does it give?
6:40
